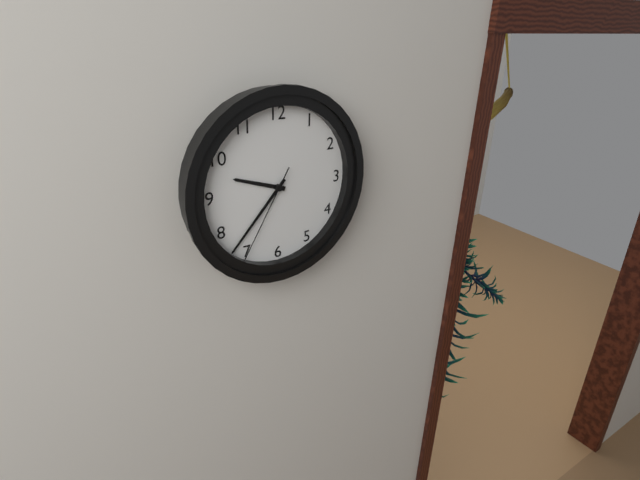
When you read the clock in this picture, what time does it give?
9:37:35
